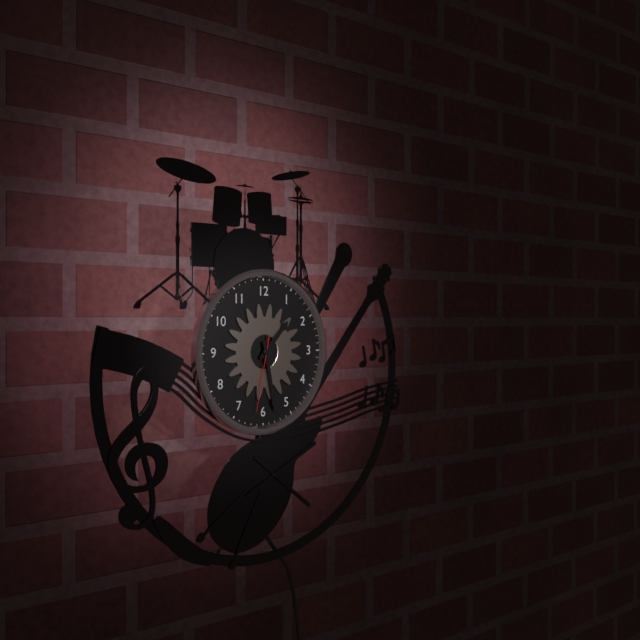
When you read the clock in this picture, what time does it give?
1:28:32
